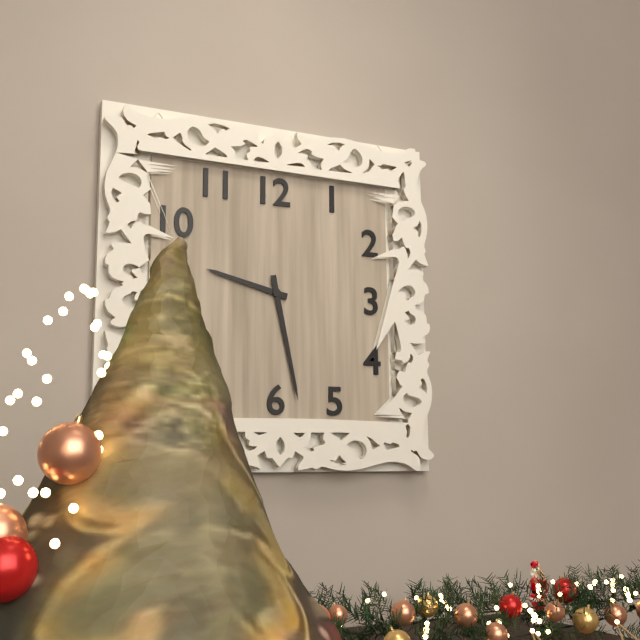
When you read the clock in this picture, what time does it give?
9:28
